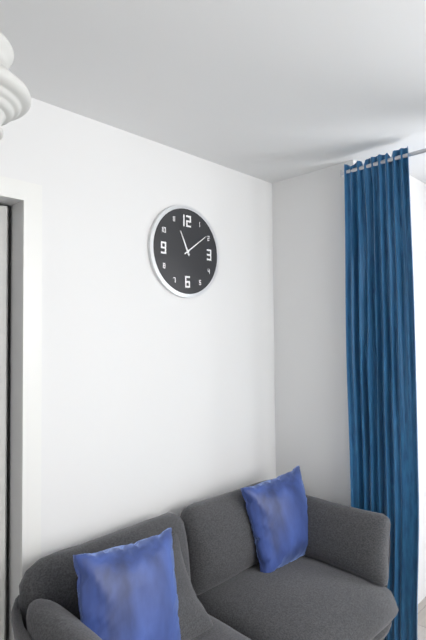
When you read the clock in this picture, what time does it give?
11:09
